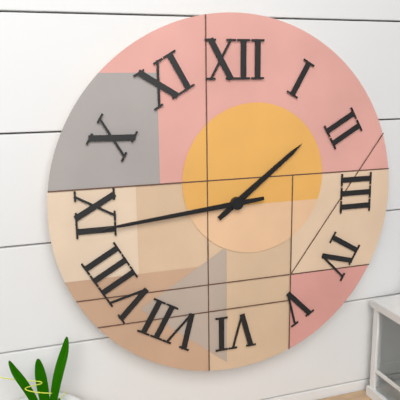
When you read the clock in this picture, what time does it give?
1:44
